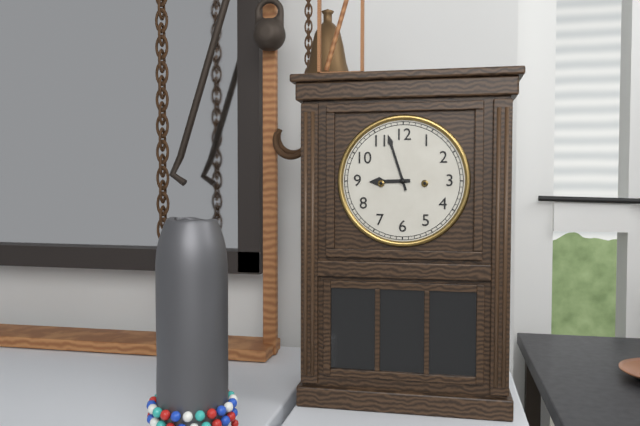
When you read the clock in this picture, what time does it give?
8:57
